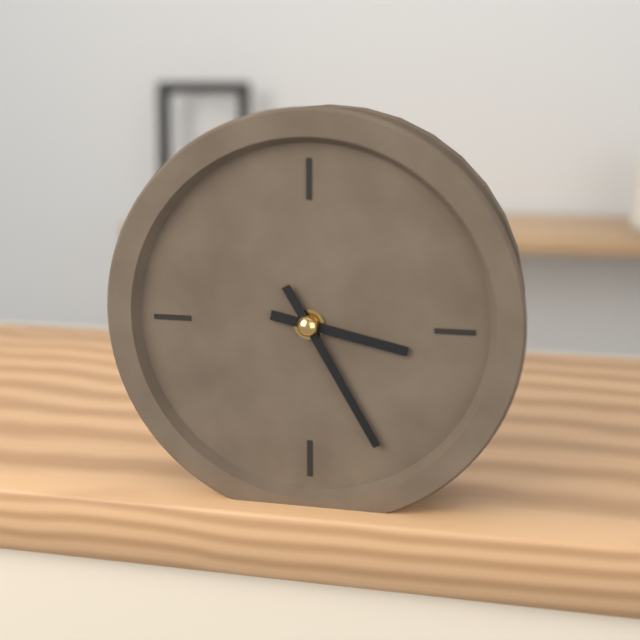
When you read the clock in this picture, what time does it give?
3:25
